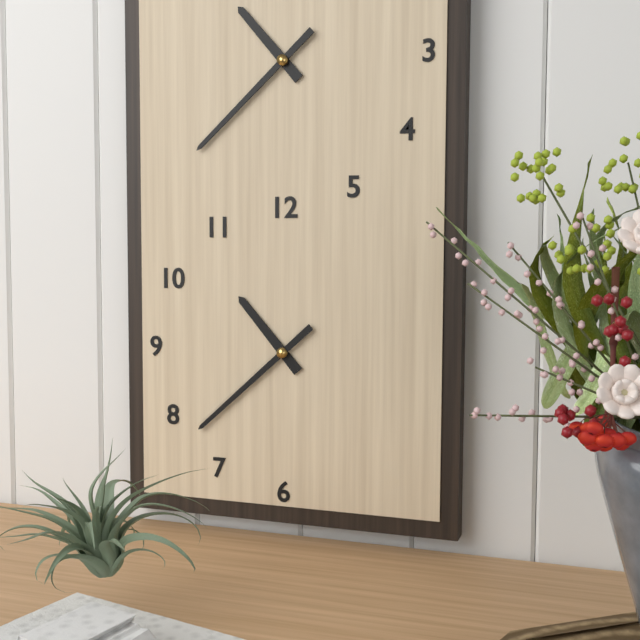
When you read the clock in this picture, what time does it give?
10:38
